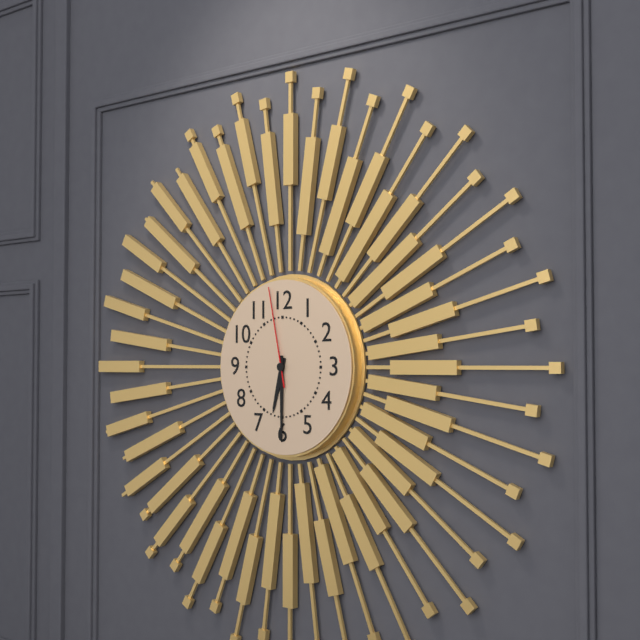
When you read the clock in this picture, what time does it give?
6:30:58
